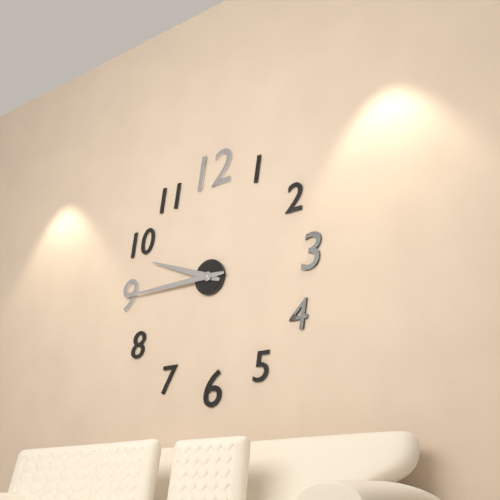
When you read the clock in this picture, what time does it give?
9:45
